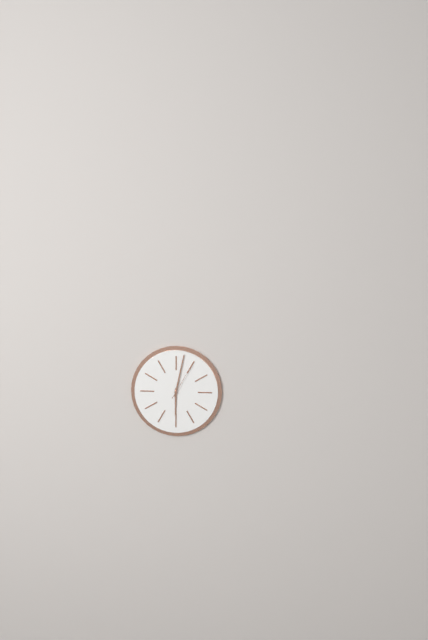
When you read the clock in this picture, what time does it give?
6:02
